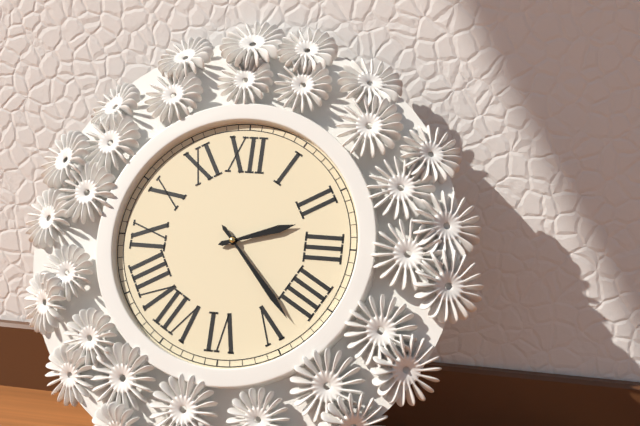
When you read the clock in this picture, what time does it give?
2:23
